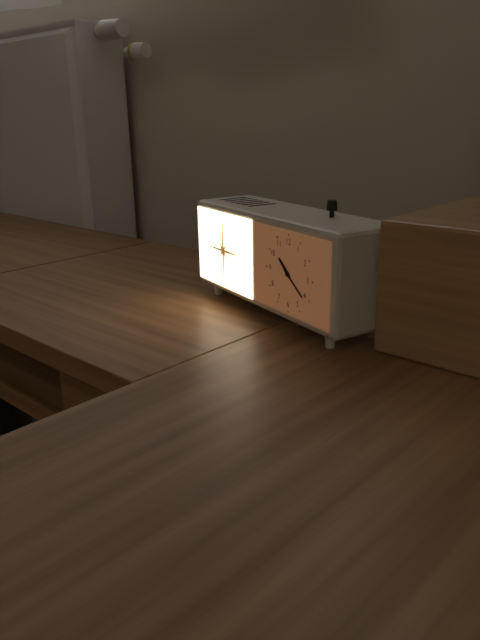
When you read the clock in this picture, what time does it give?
10:21
